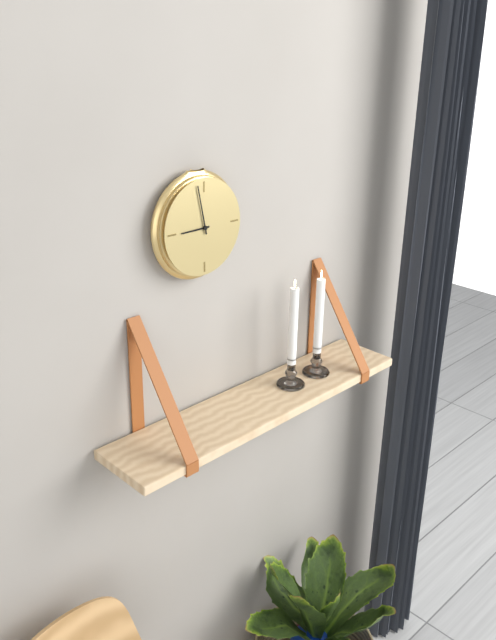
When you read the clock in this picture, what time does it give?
8:58
